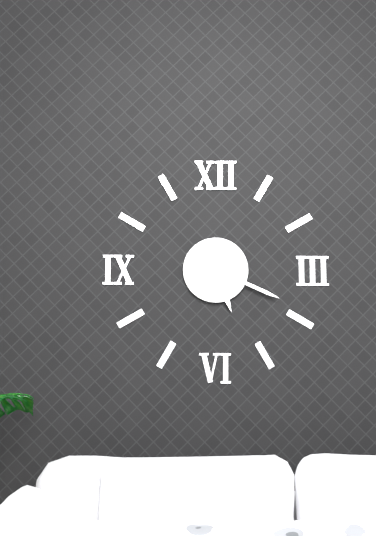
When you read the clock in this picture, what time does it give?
5:19
